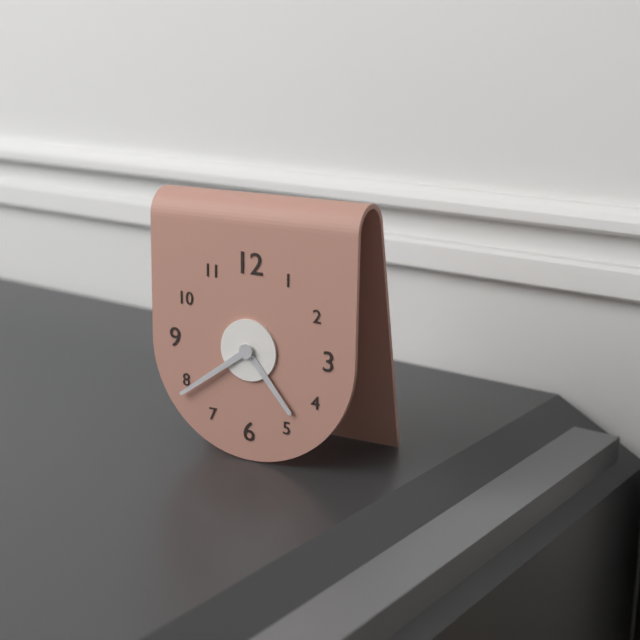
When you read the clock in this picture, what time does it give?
4:39
